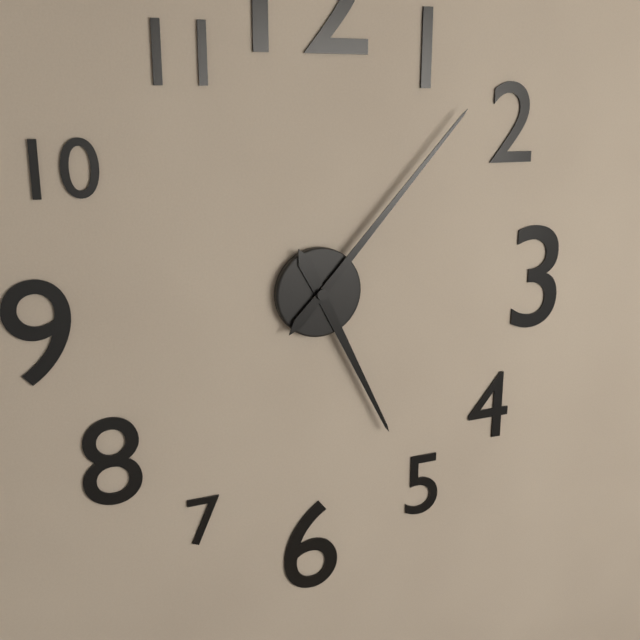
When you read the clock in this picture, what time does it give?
5:07
